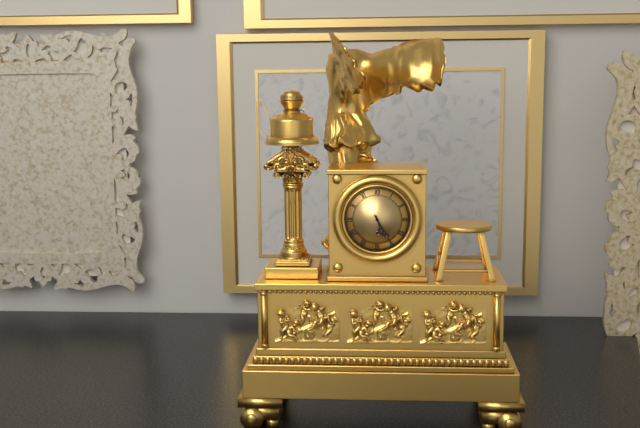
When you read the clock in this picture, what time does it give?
5:25
